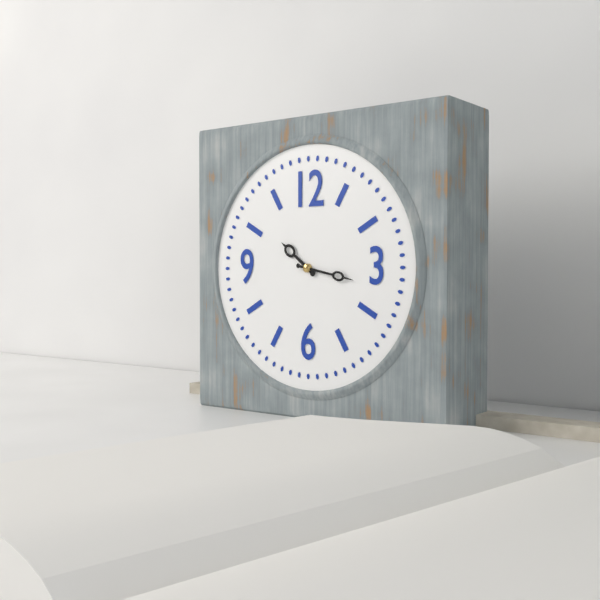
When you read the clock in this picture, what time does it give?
10:17
